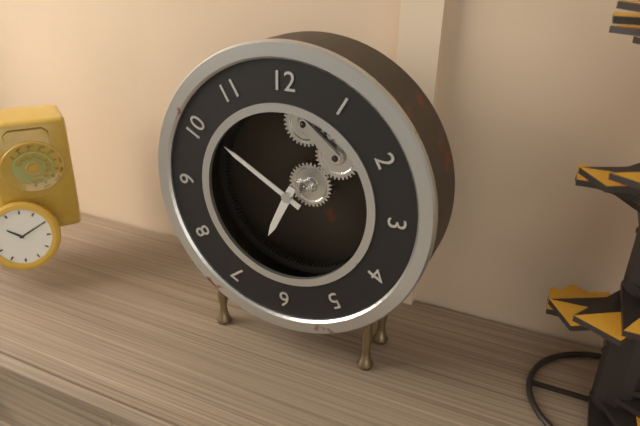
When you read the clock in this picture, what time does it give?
6:50
